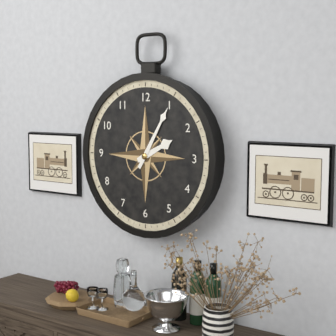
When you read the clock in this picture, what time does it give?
2:05
